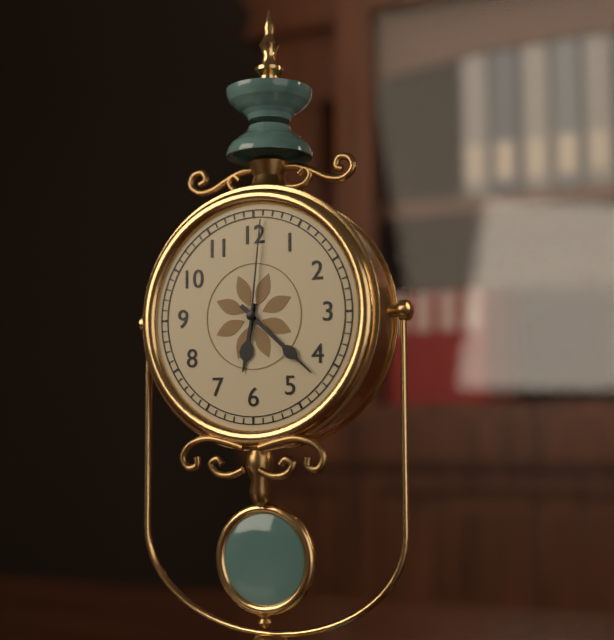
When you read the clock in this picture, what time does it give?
6:22:01
